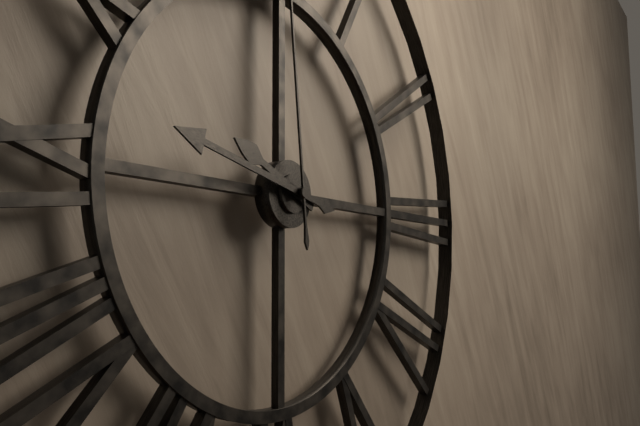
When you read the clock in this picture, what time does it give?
9:47
